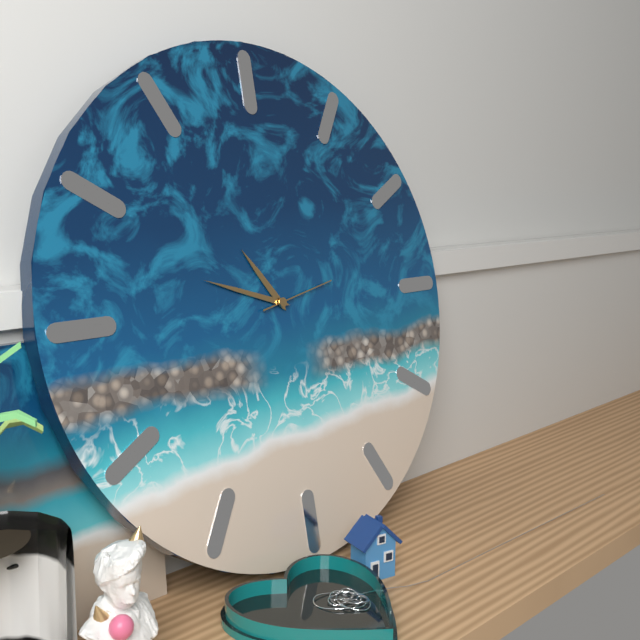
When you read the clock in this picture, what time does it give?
10:48:13
